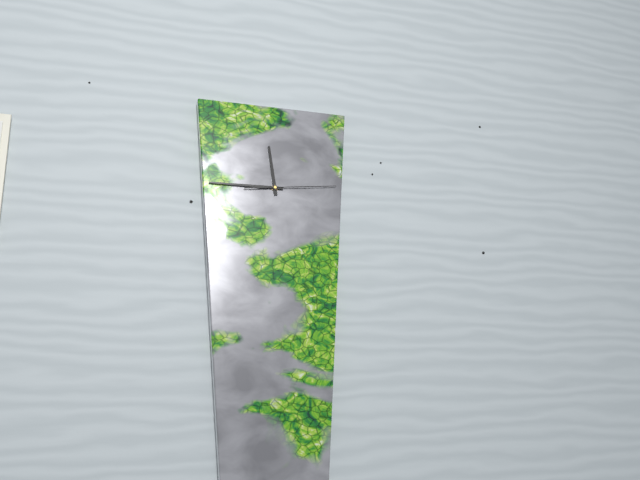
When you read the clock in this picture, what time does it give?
11:45:14
